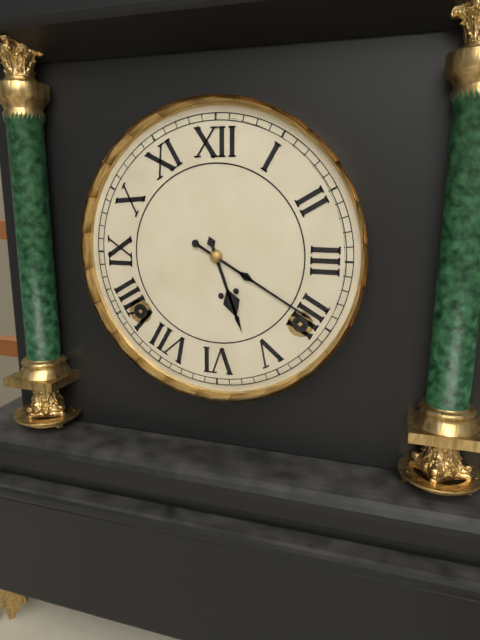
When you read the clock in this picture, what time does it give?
5:20
